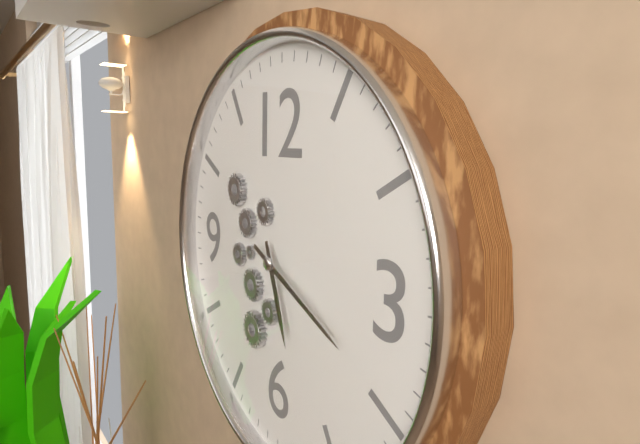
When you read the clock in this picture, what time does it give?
5:19
